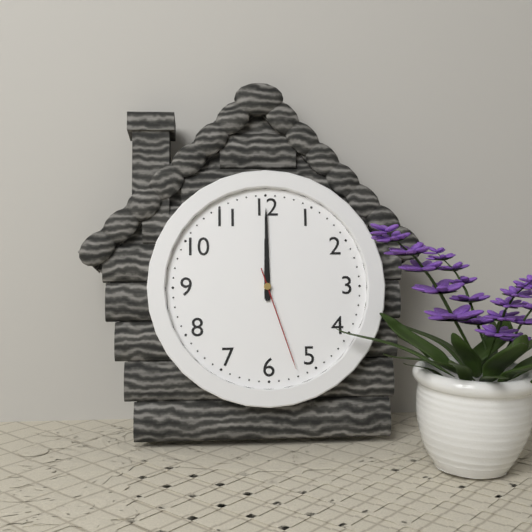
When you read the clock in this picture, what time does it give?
12:00:27
